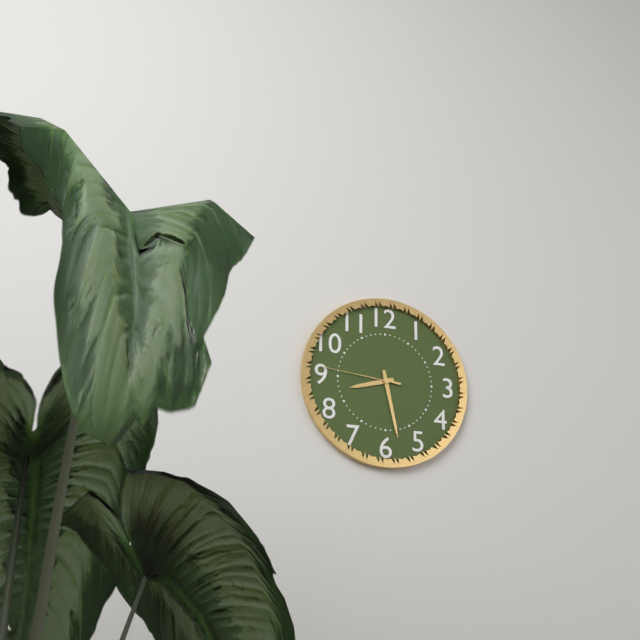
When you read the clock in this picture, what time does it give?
8:28:46
